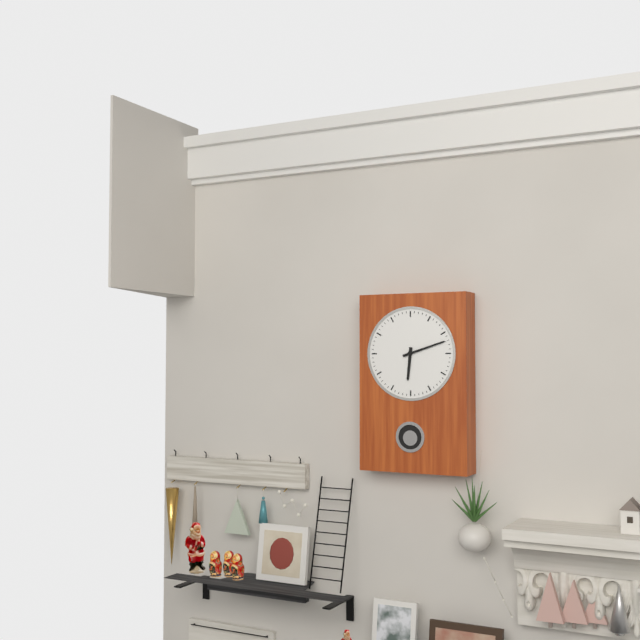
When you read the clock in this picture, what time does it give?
6:12
